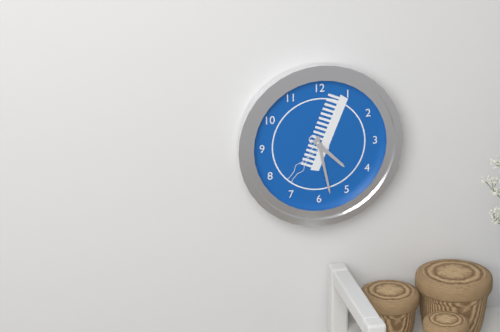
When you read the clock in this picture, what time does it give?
4:28
